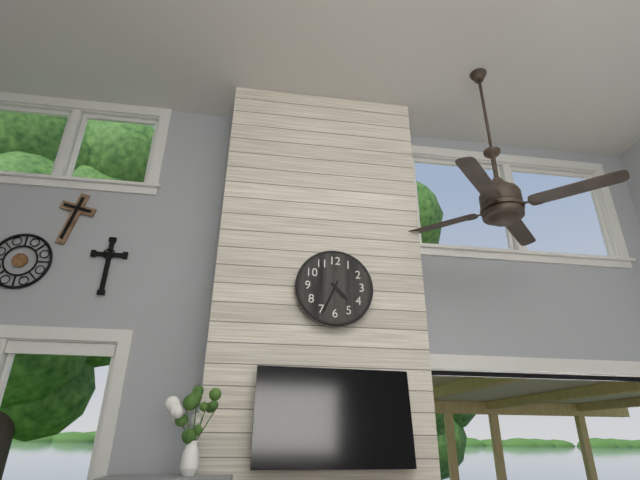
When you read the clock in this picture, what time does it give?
4:34
